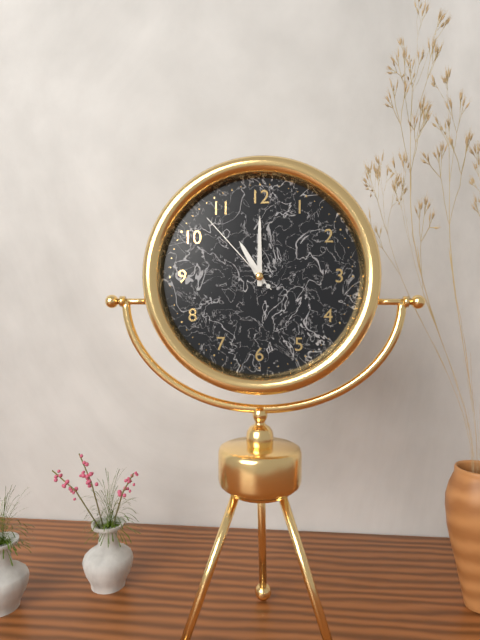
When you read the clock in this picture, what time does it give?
11:00:53
